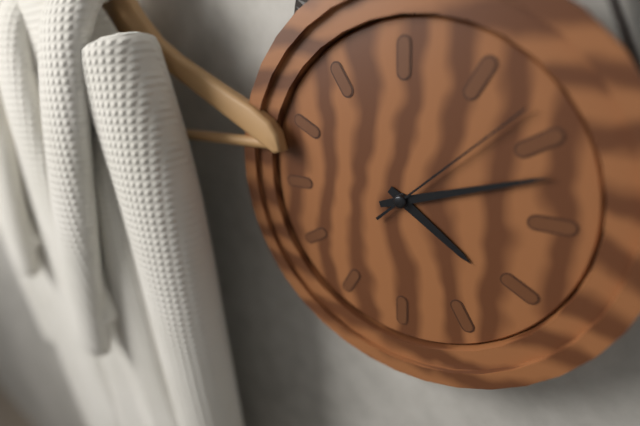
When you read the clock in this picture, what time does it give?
4:12:08
